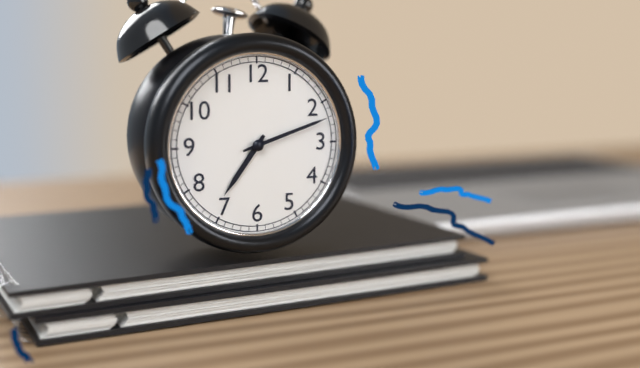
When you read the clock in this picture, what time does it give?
7:12
